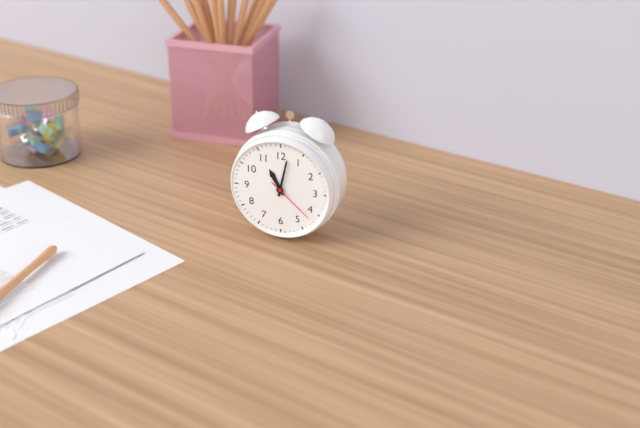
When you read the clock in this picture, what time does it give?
11:02:22
